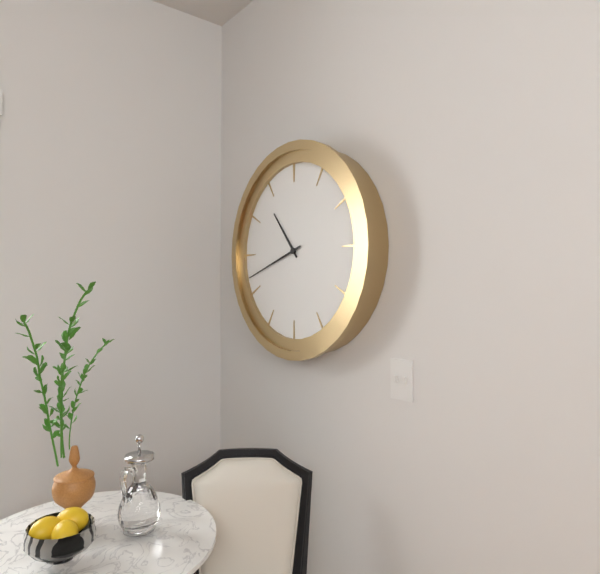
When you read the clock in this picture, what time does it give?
10:42
